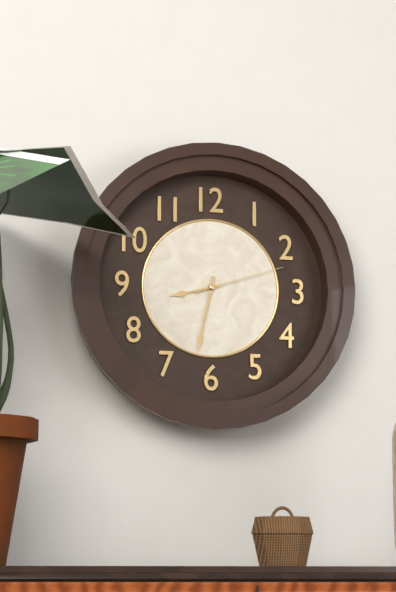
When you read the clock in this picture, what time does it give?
8:32:12
